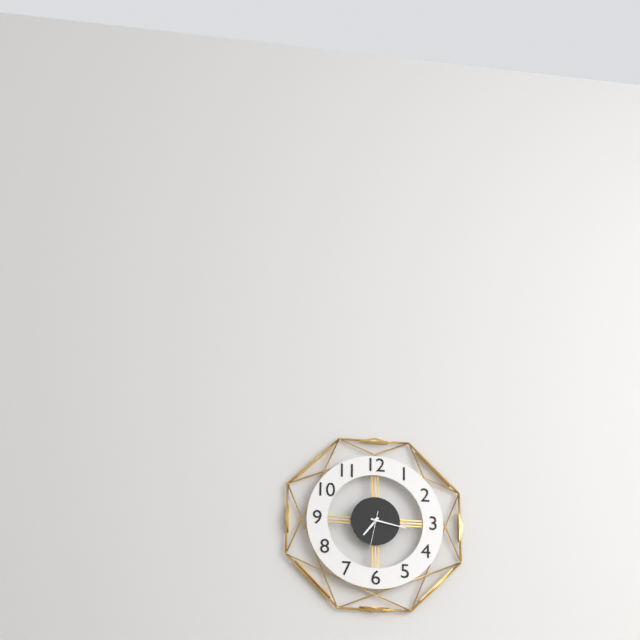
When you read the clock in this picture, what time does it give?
7:17
